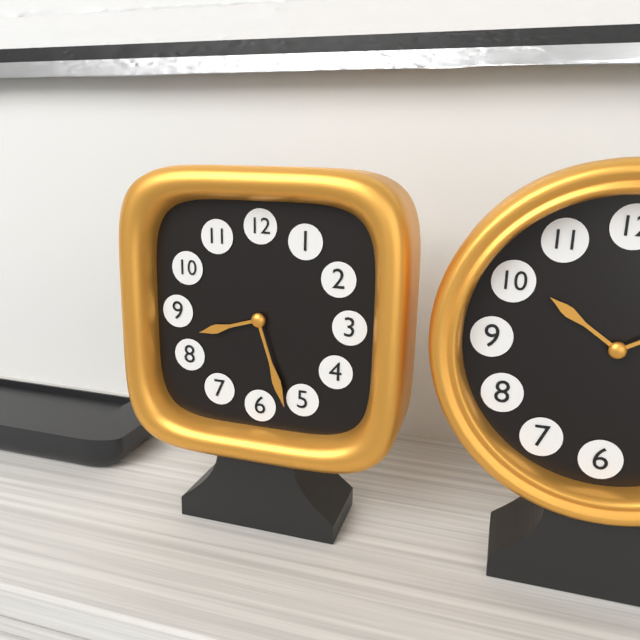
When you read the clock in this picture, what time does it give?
8:27
